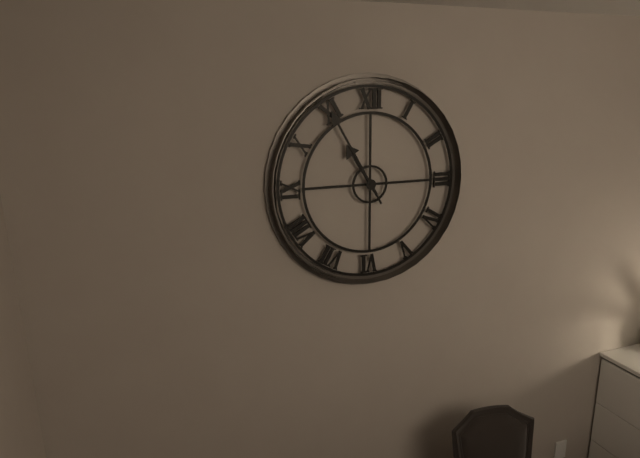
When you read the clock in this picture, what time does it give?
10:55
